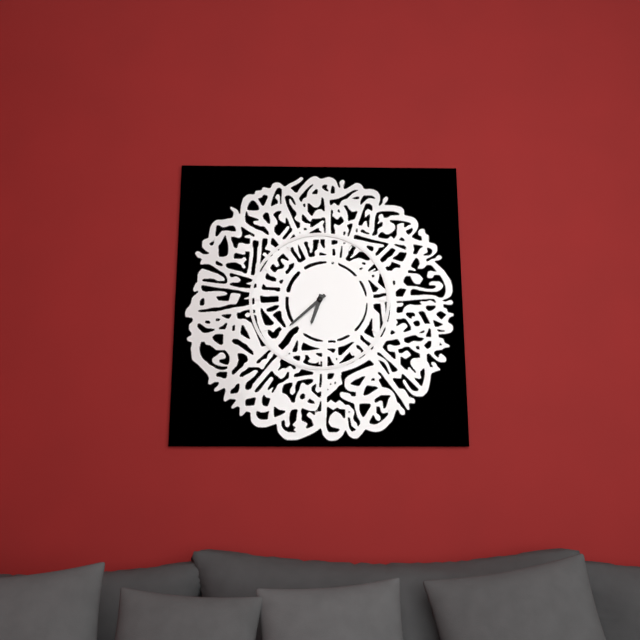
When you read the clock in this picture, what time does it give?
6:38
